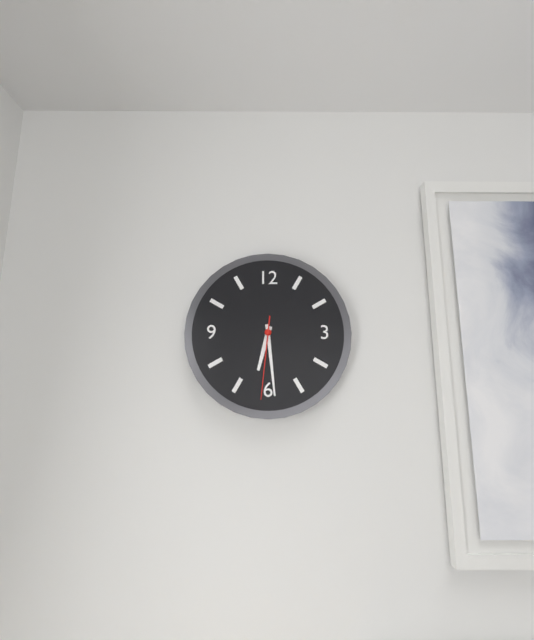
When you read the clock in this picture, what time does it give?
6:29:31
